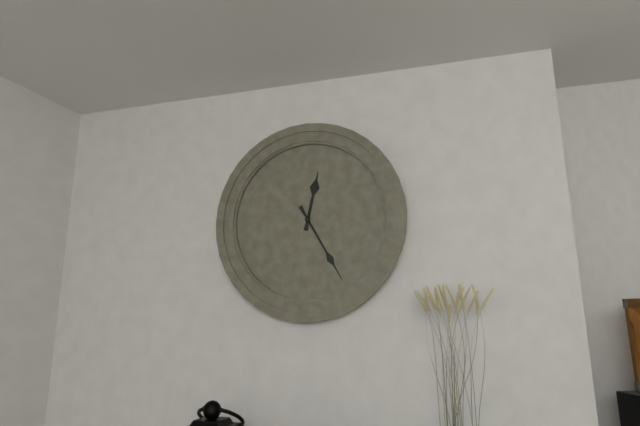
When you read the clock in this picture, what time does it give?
12:25
